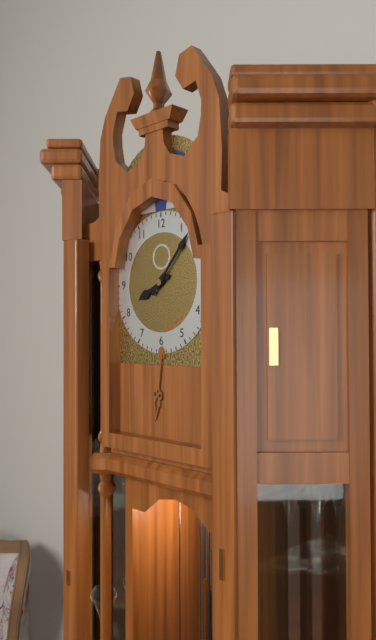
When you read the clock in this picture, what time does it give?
8:07
